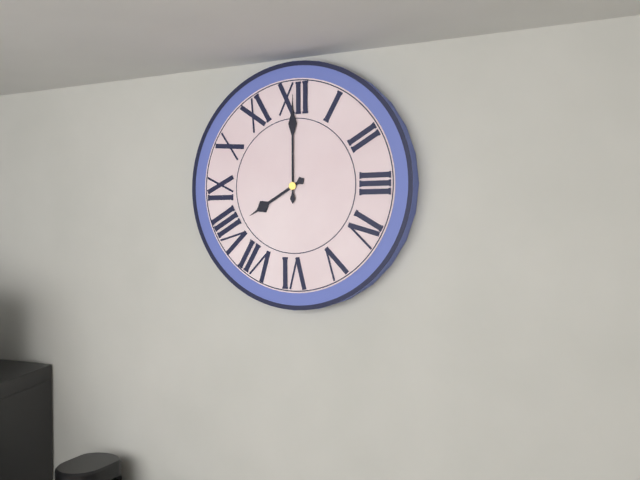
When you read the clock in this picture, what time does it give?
8:00
